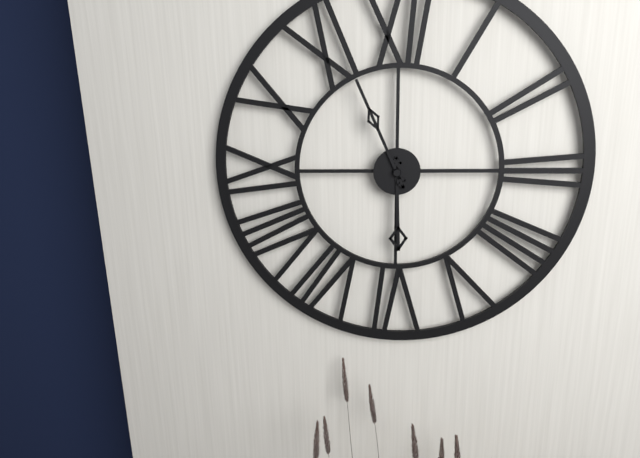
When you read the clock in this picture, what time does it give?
5:56
